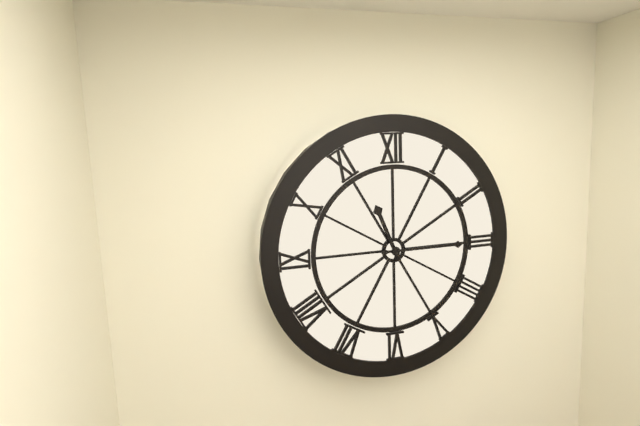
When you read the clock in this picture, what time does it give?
11:15
